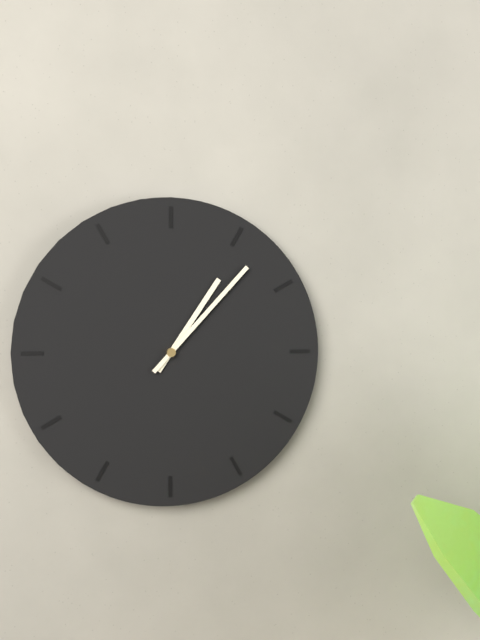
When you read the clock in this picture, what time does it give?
1:07
